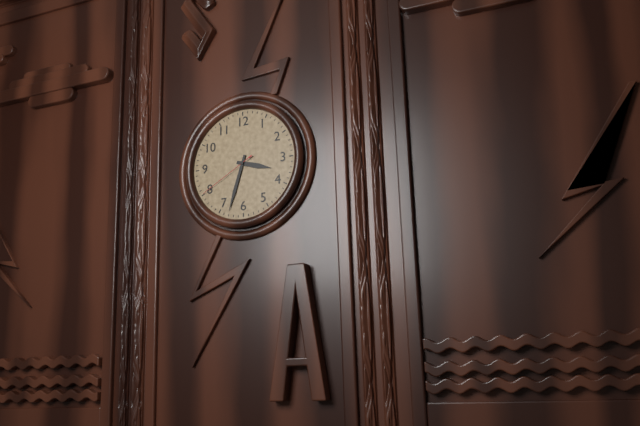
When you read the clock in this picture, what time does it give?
3:33:40
